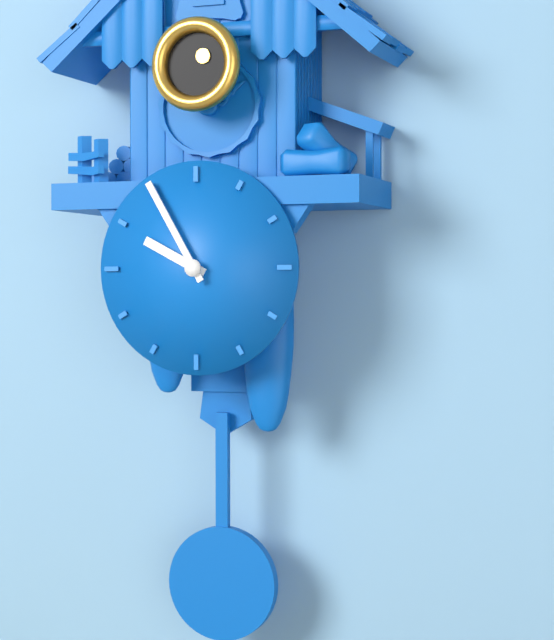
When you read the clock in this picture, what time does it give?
9:55
